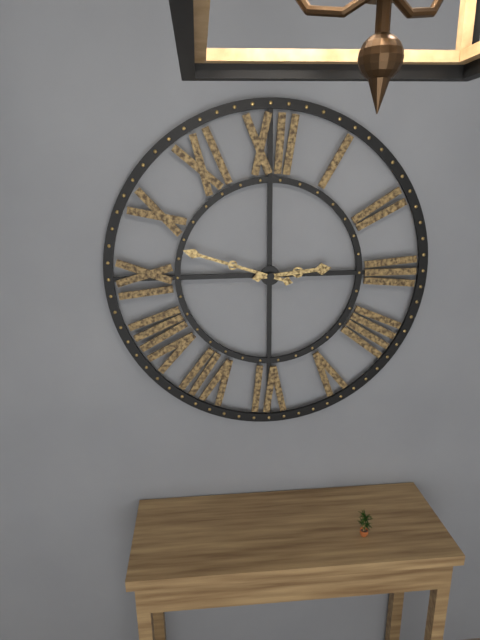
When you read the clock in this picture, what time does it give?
2:48
